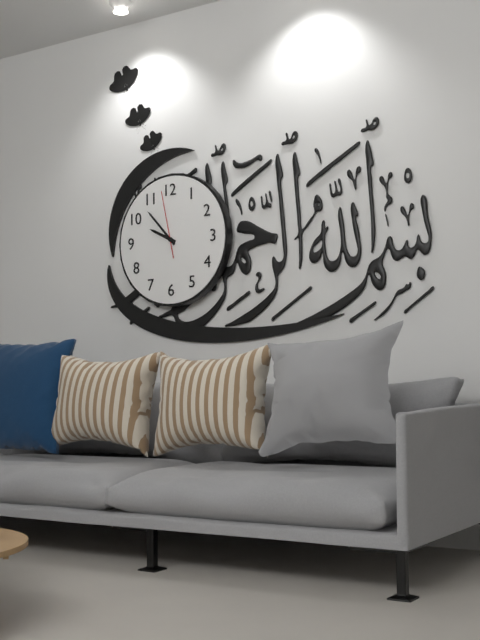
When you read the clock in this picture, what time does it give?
9:53:58
